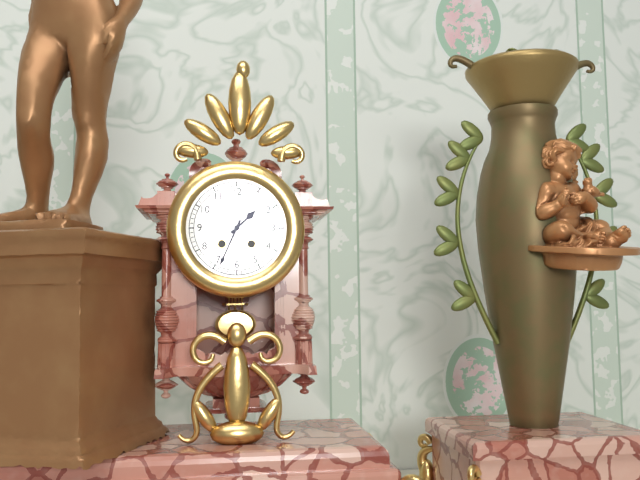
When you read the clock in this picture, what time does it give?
1:34
